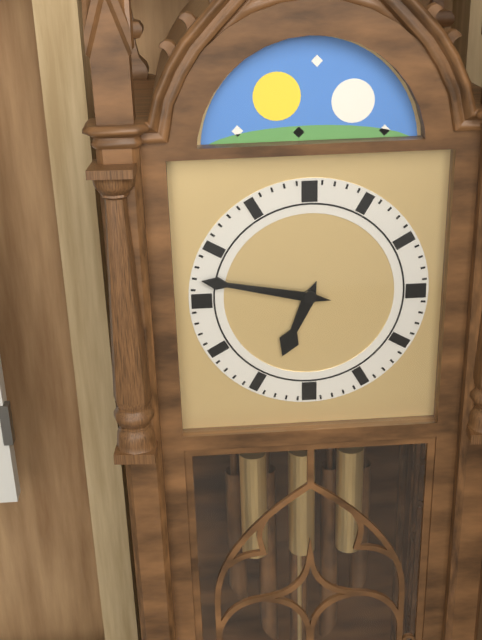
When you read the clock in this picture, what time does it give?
6:47
